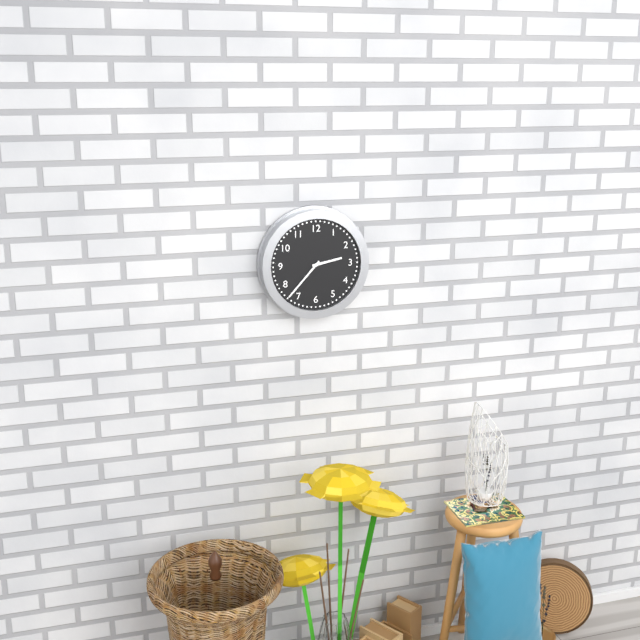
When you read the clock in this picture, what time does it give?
2:37
